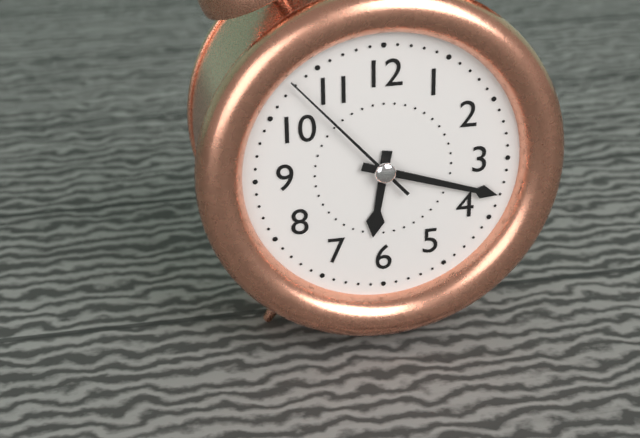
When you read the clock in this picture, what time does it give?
6:18:53
